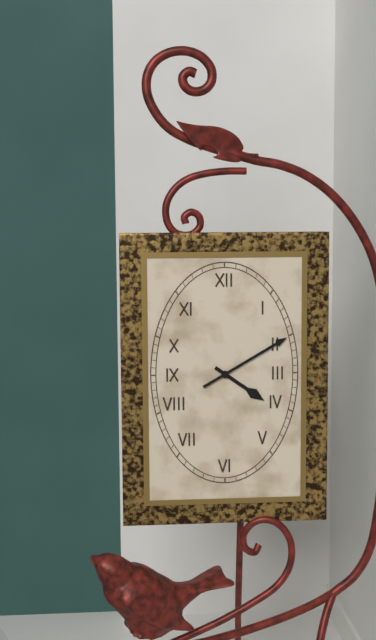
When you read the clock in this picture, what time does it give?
4:10
